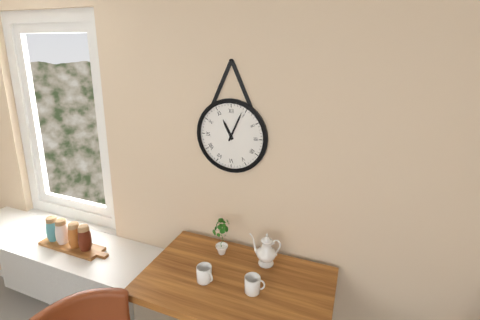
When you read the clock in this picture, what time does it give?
11:04
